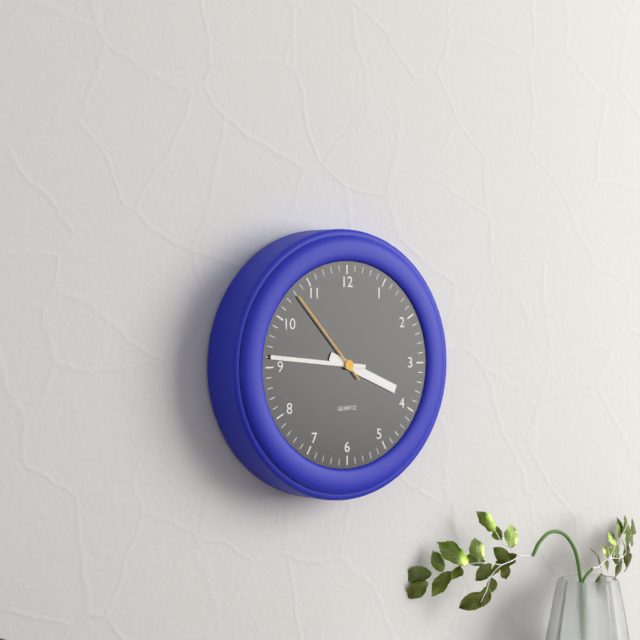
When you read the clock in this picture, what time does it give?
3:46:53
